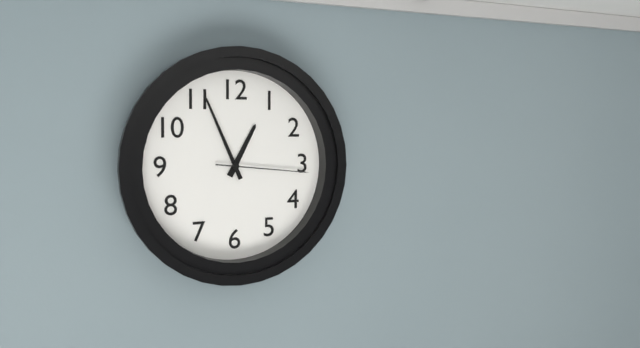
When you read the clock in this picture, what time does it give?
12:56:16
